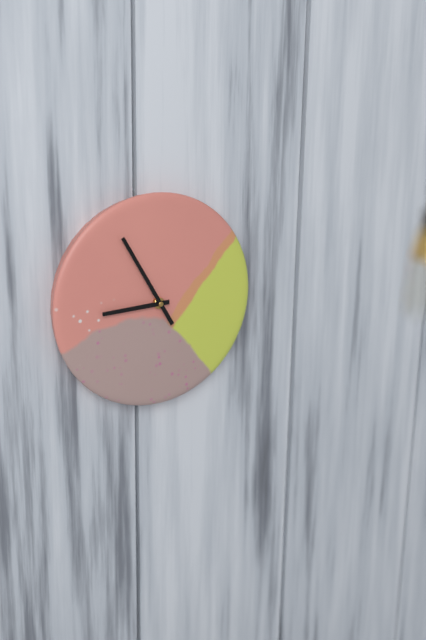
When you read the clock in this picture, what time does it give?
8:55
